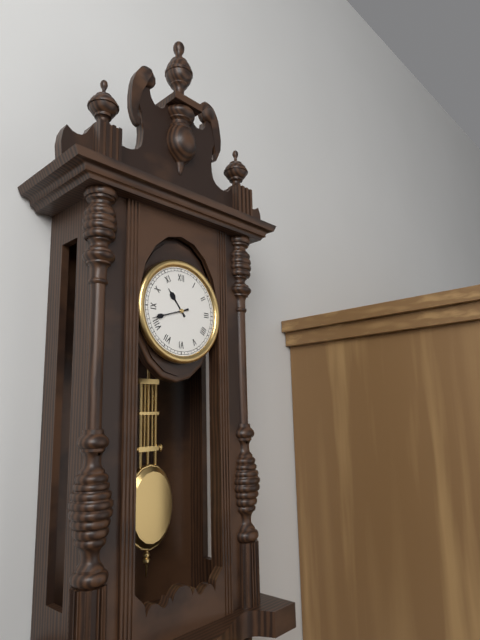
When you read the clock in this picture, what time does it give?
10:42
